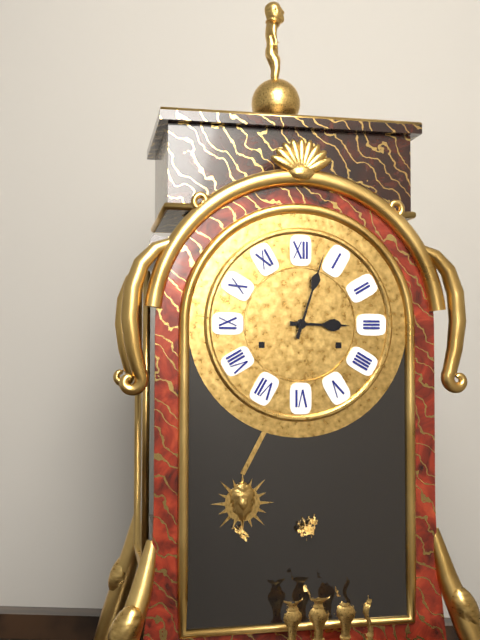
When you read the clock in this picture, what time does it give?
3:03
